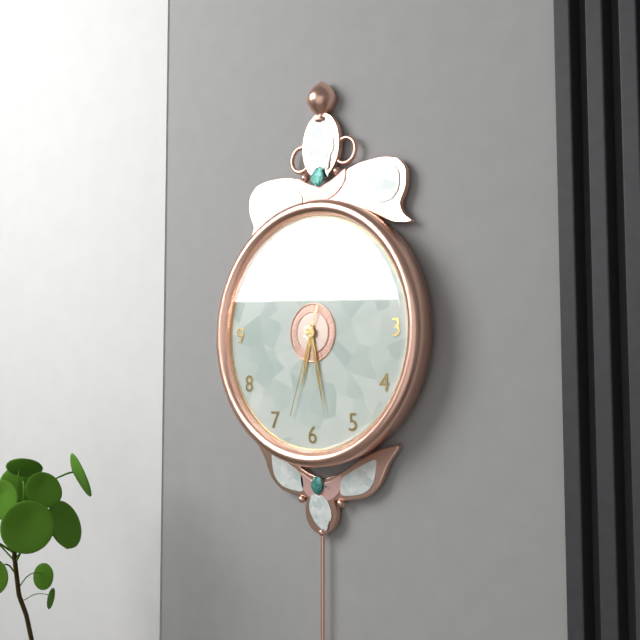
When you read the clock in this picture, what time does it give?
6:28:33
